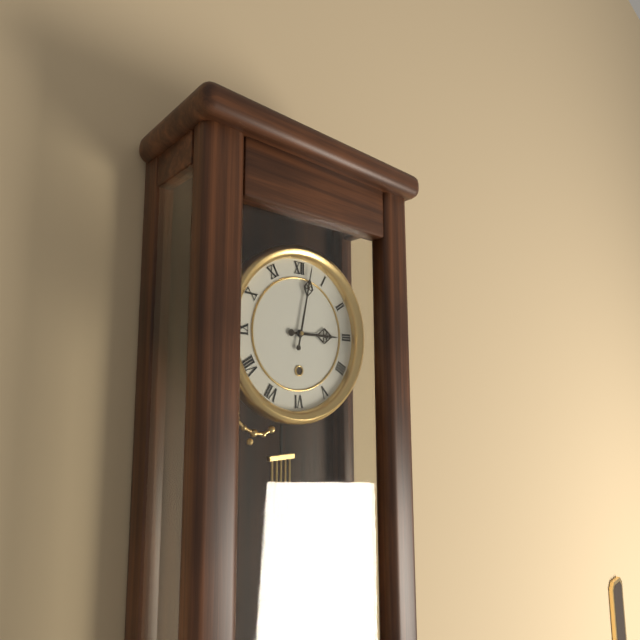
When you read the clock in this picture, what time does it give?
3:02
